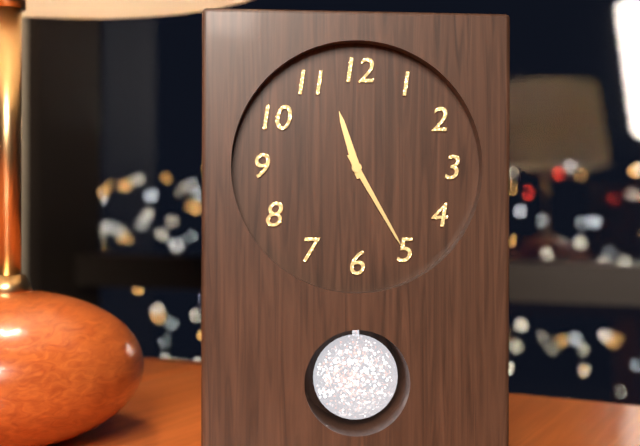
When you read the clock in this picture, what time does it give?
11:25
